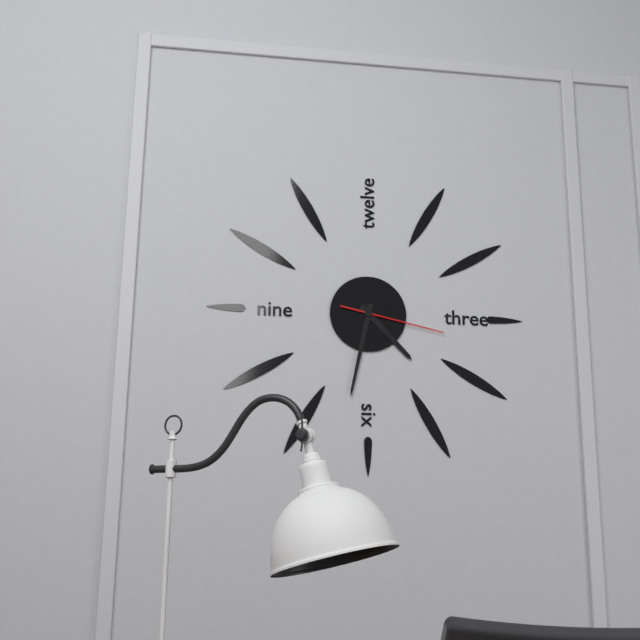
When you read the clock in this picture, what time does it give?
4:32:17
